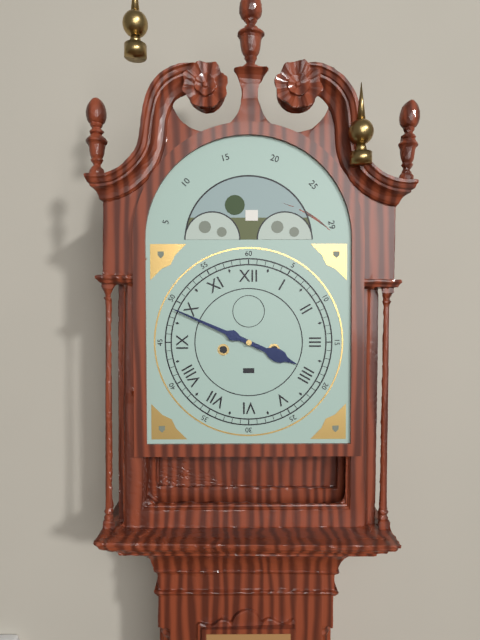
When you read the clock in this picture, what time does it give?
3:49
